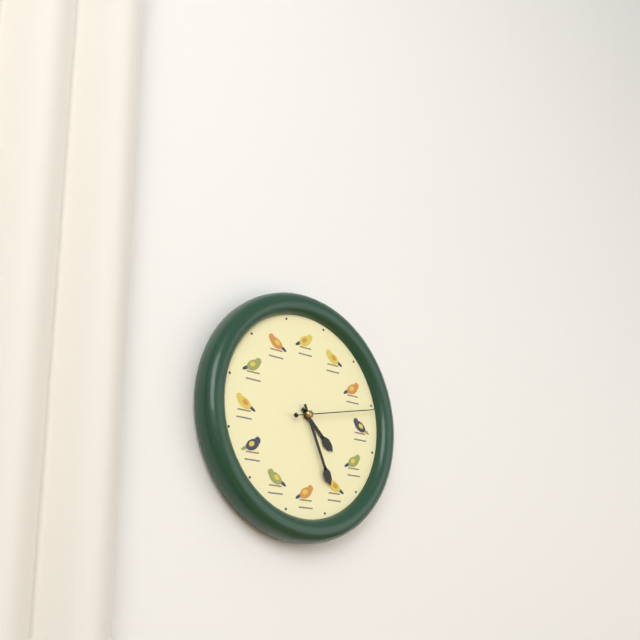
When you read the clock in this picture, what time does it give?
4:26:13
